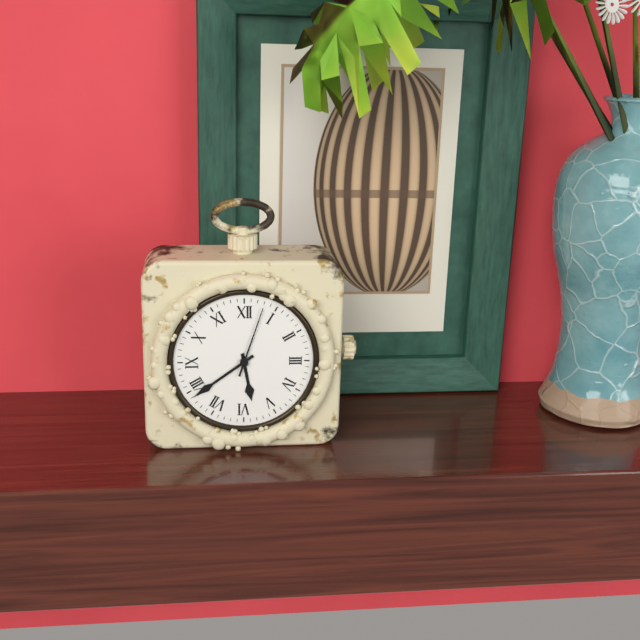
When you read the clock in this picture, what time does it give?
5:39:03
